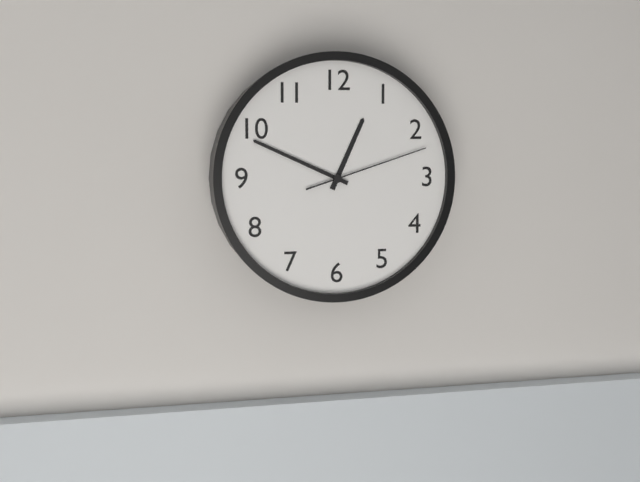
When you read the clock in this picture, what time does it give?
12:49:12
